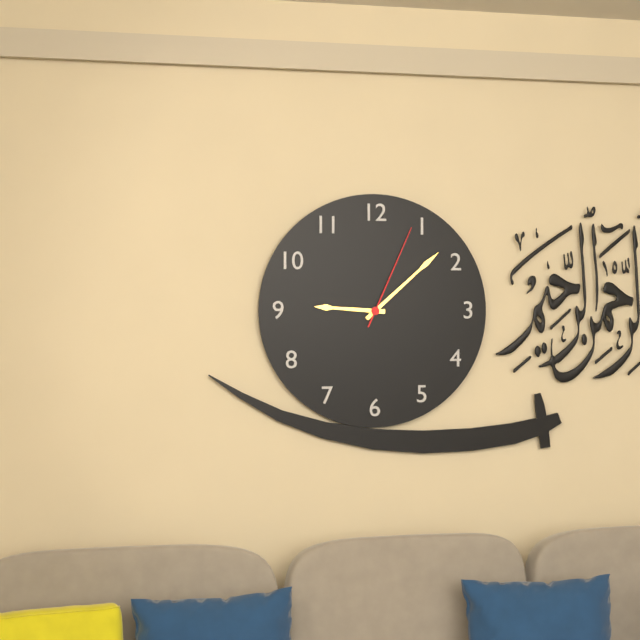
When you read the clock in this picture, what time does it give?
9:08:04
